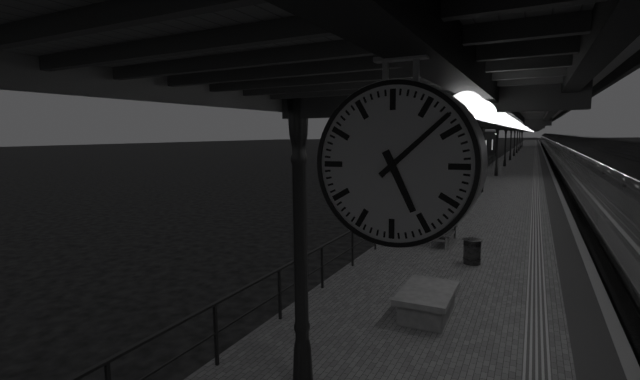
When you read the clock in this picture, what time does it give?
5:08
